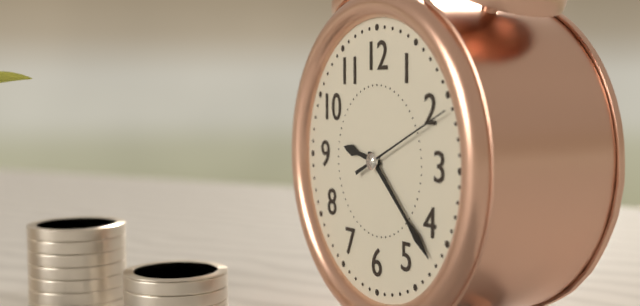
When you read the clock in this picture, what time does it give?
9:22:11
